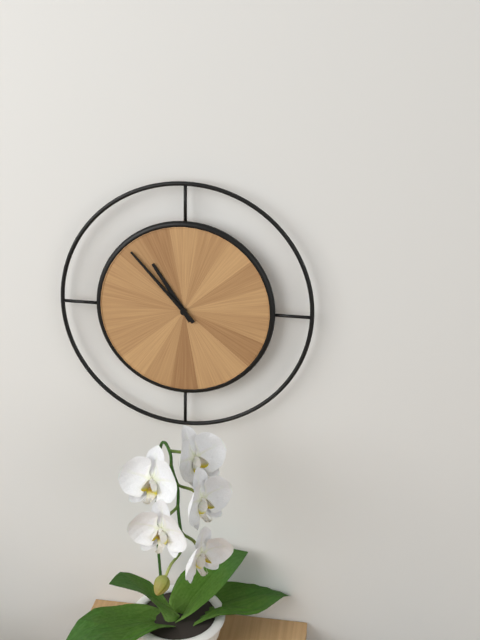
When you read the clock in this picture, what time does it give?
10:53
